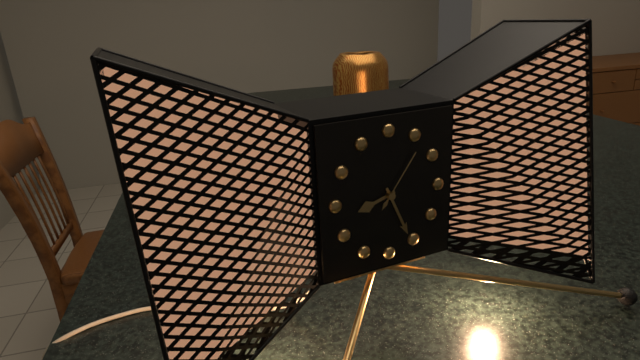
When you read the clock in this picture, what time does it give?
8:26:06
